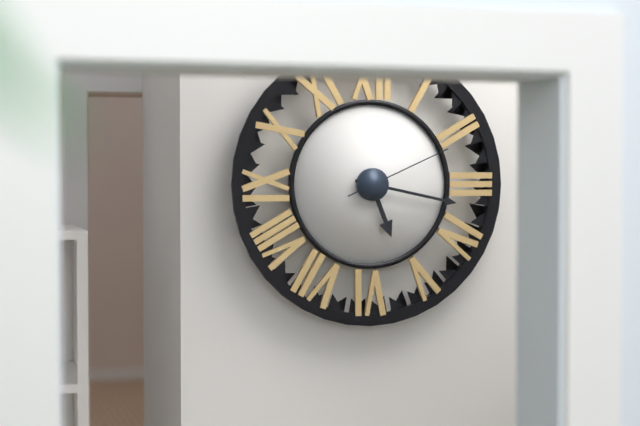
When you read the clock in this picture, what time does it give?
5:17:11
